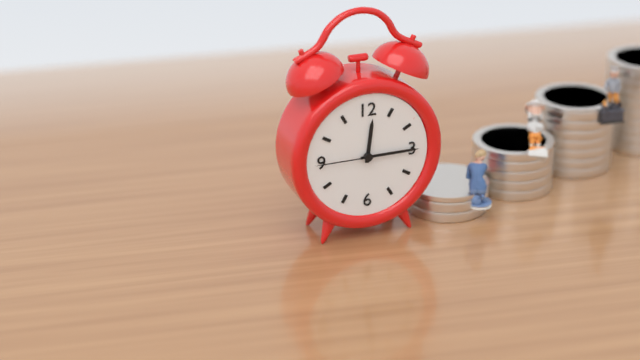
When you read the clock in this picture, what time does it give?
12:15:45
